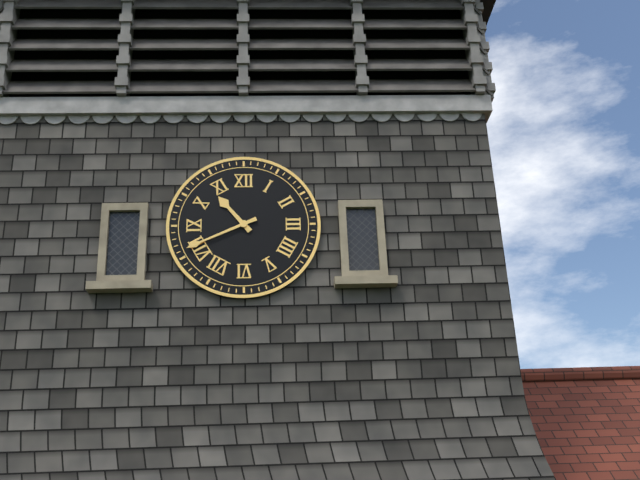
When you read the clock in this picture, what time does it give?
10:41
